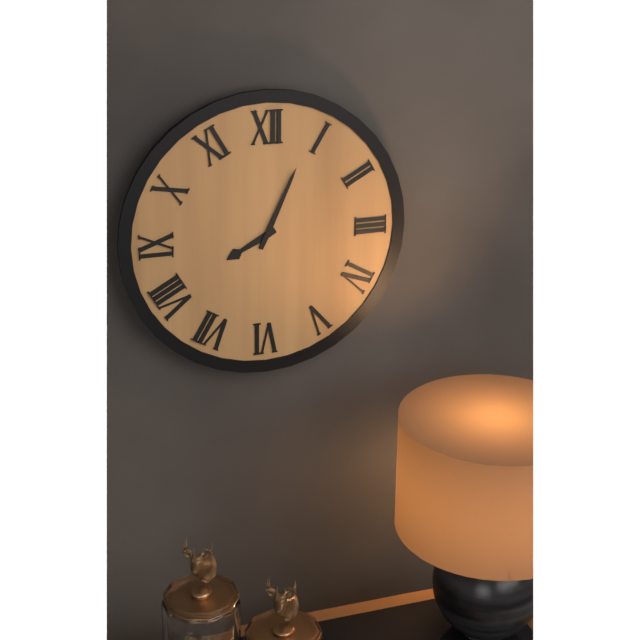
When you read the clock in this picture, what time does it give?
8:04
